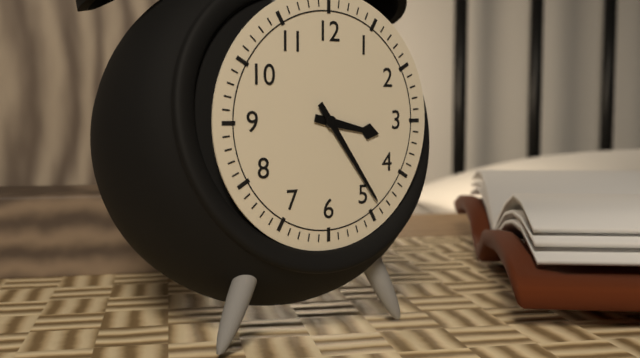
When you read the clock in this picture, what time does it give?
3:24
